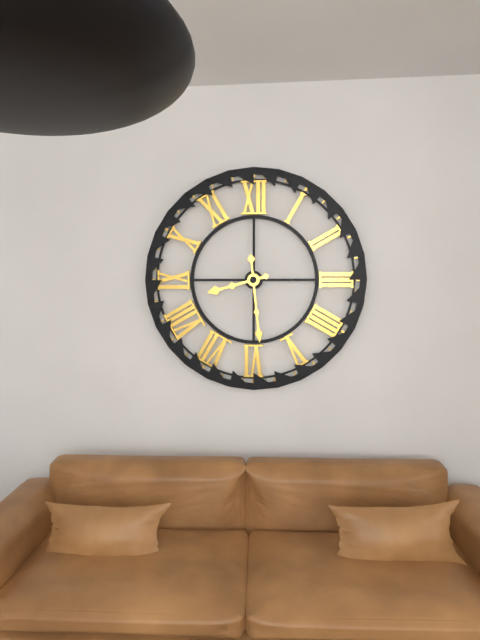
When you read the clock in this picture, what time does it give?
8:29
